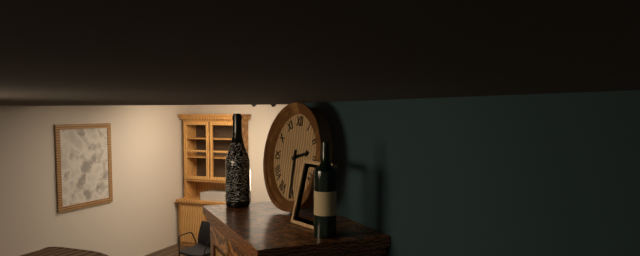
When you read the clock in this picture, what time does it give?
2:30
